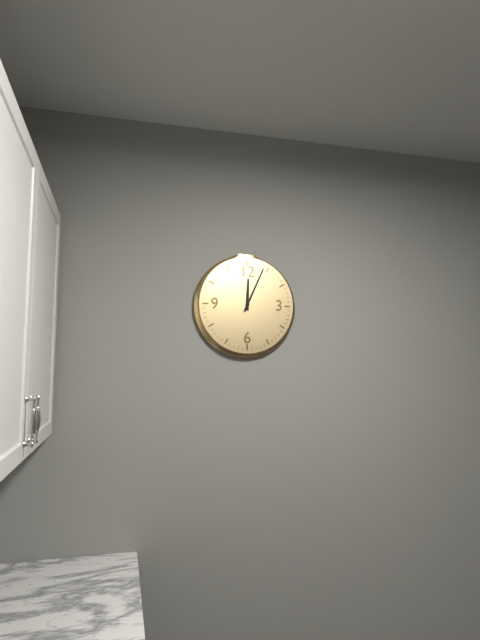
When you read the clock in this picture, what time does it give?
12:04
